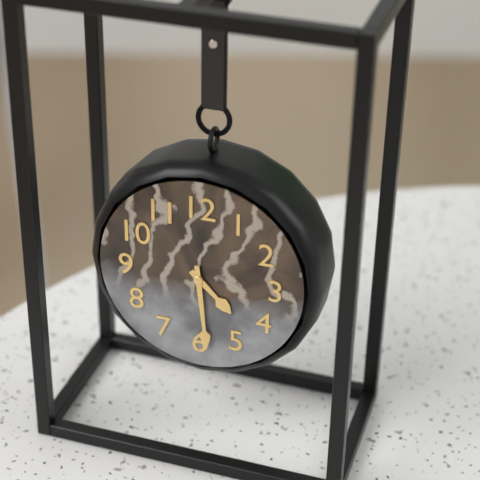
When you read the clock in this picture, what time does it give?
4:29
